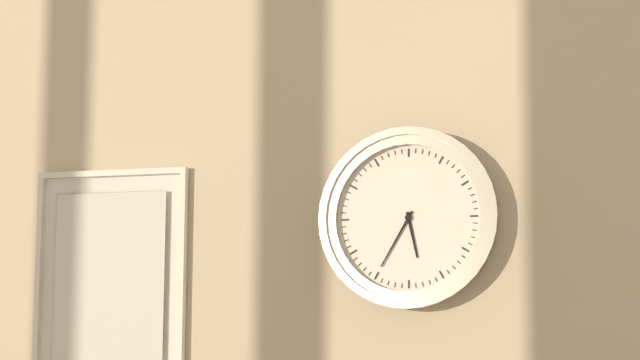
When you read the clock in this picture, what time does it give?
5:35
